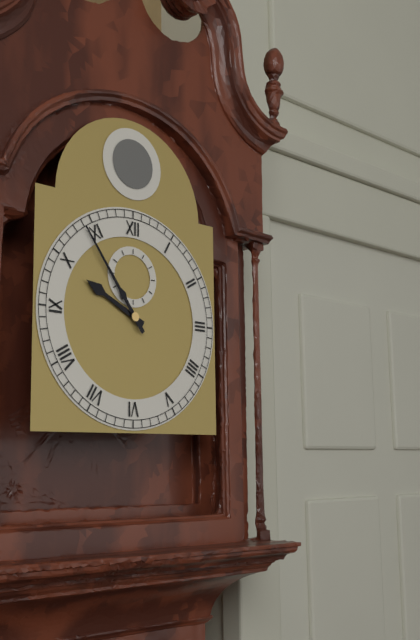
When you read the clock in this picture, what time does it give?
9:54
